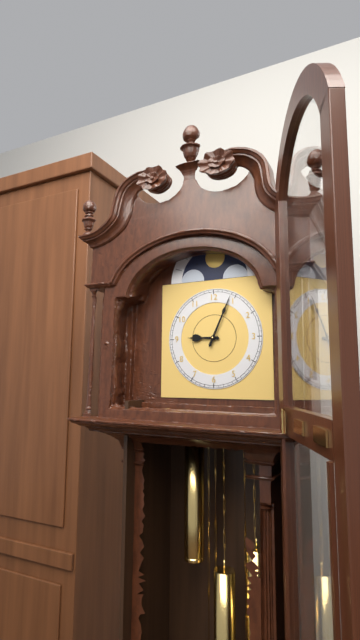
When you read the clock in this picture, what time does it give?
9:04
